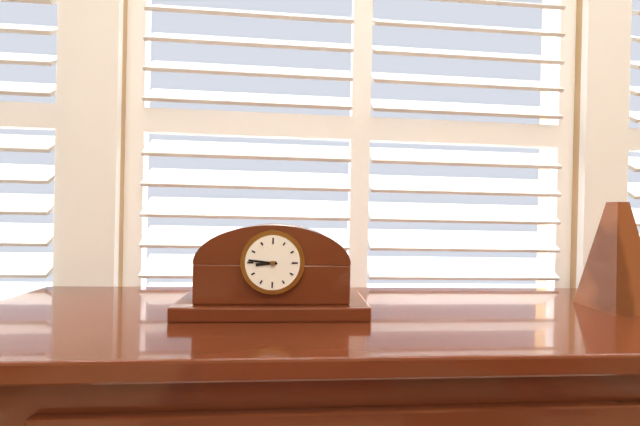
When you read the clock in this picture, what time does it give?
8:46
